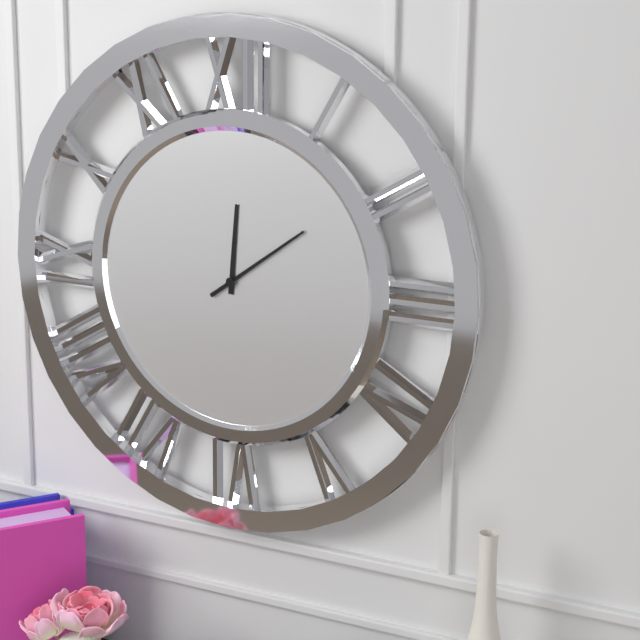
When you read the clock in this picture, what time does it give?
12:09
